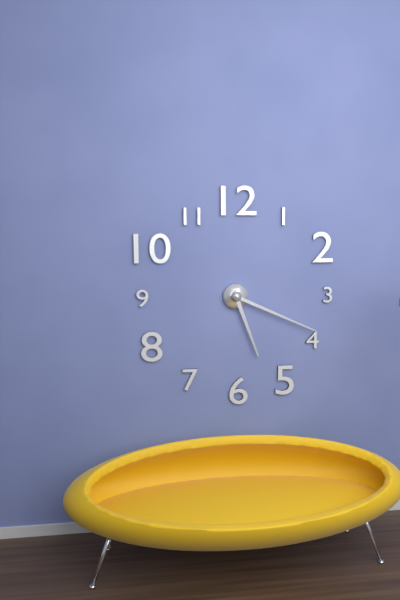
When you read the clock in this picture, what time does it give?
5:19
